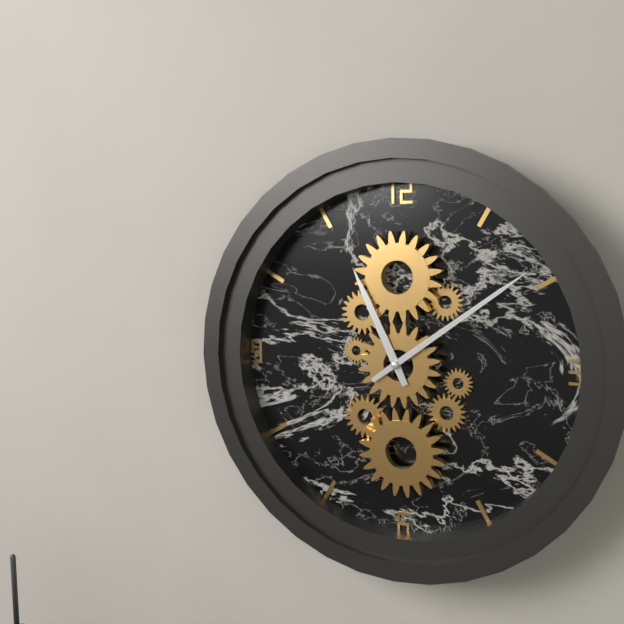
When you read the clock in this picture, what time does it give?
11:09
